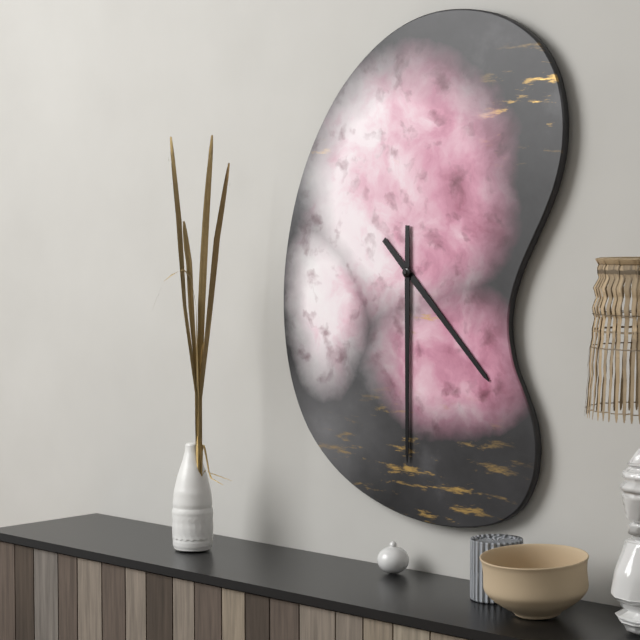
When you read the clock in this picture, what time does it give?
4:30
